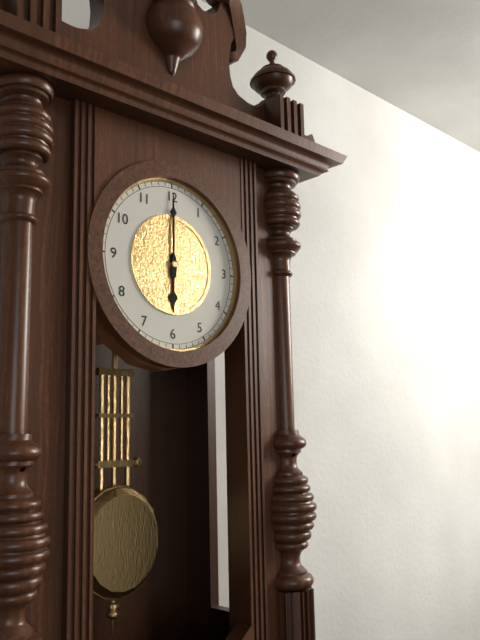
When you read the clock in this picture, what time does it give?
6:00
